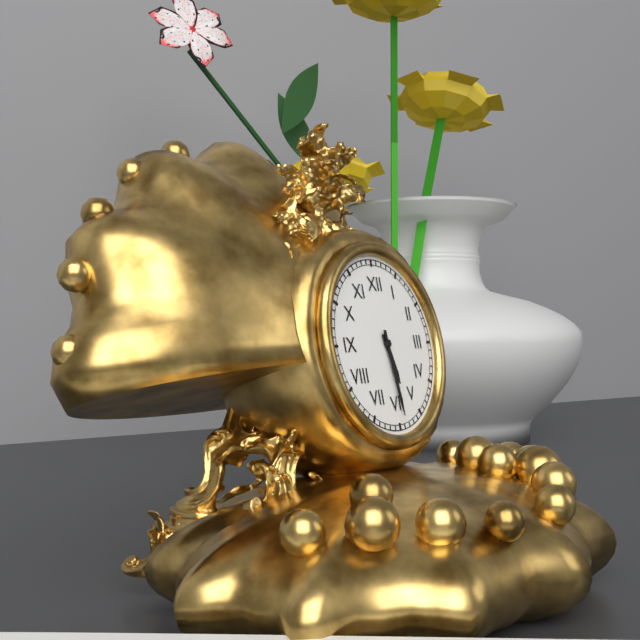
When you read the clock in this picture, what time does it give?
5:29
